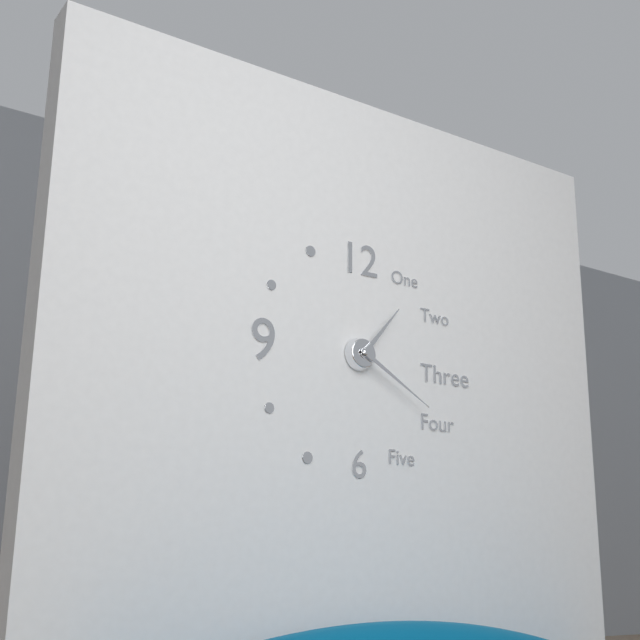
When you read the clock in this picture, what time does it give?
1:20
